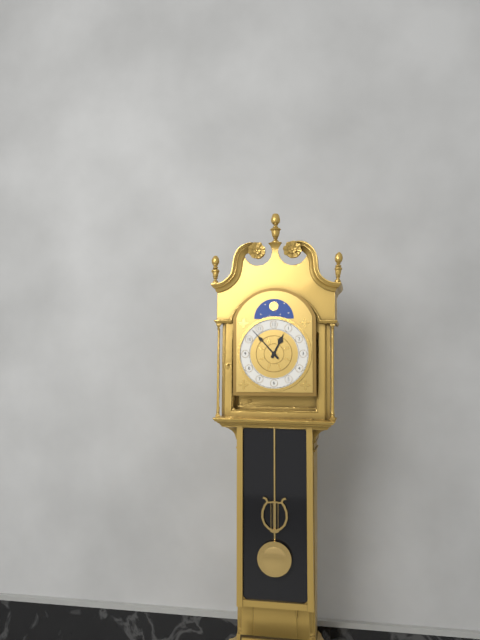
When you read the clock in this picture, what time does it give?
12:53
